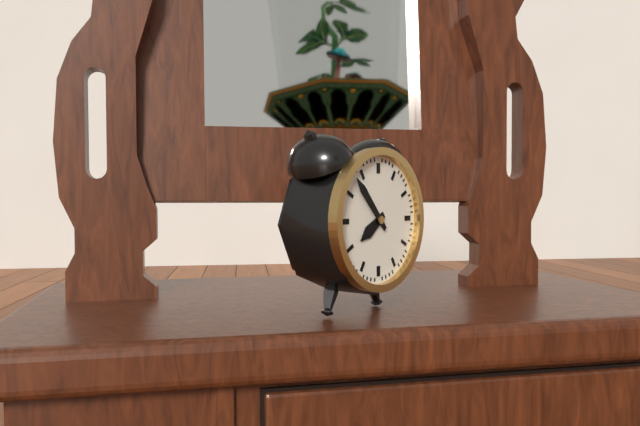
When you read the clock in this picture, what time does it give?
7:53
